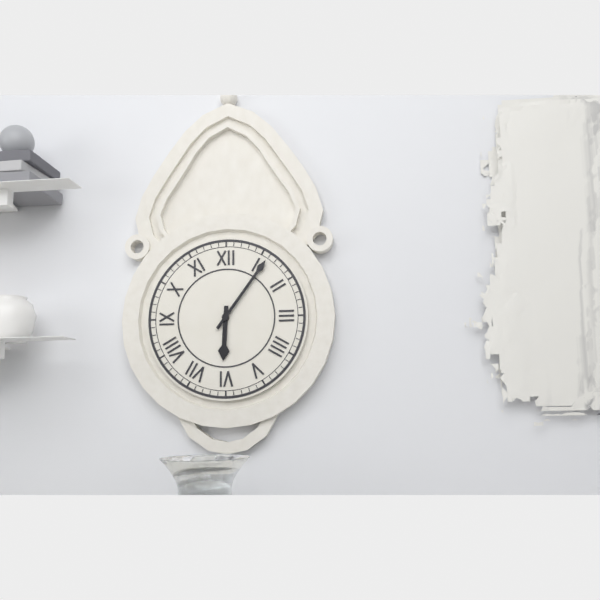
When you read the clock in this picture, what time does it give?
6:06
